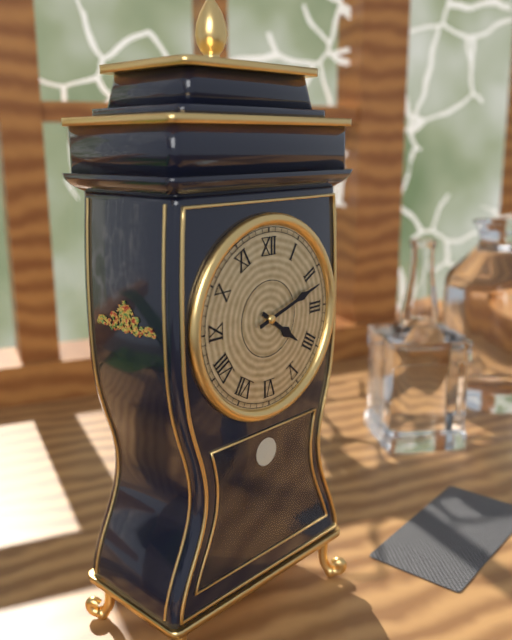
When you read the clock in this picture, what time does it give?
4:12
